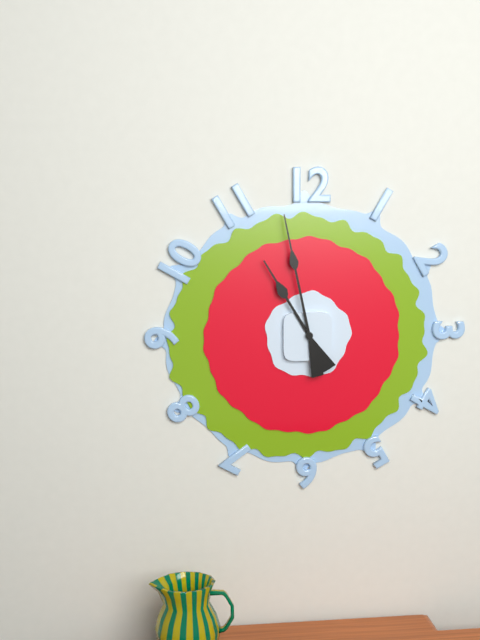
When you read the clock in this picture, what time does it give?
10:58
